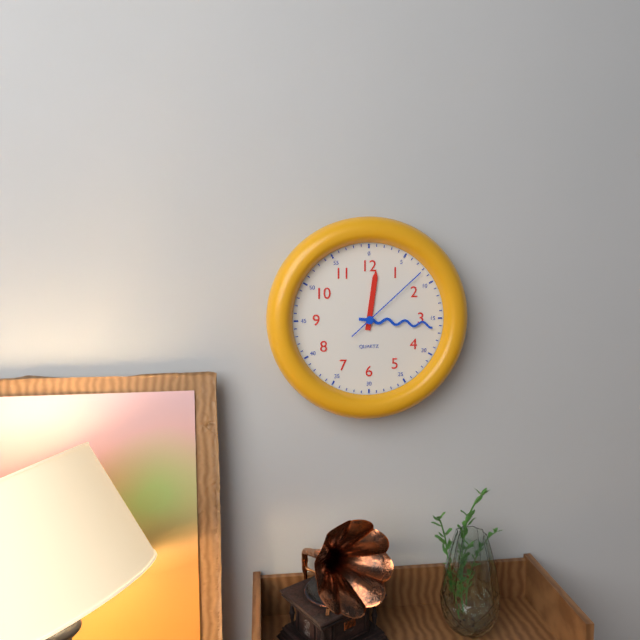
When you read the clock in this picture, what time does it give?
12:16:08
